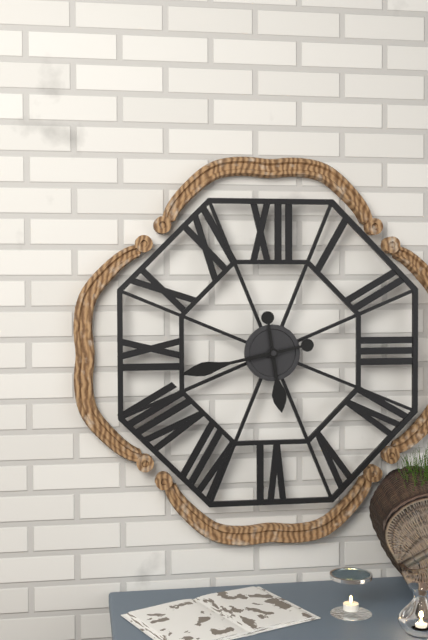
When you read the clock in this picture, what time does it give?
5:43
